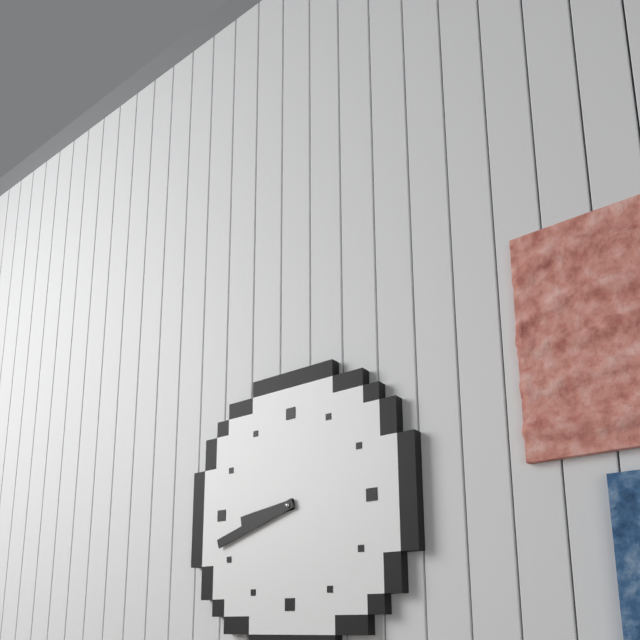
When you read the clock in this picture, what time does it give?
8:42
